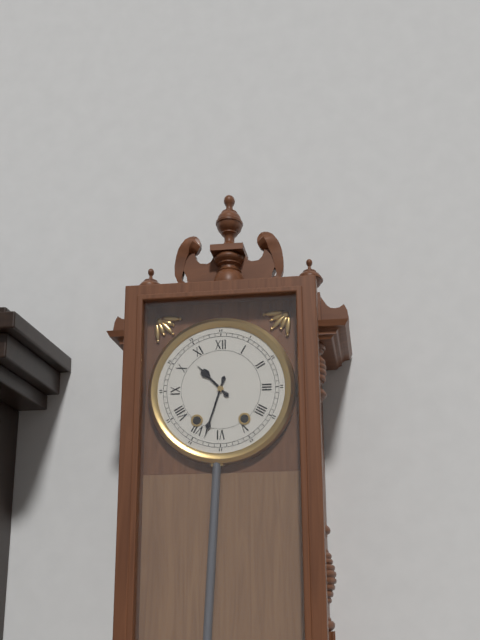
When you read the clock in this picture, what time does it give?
10:33
